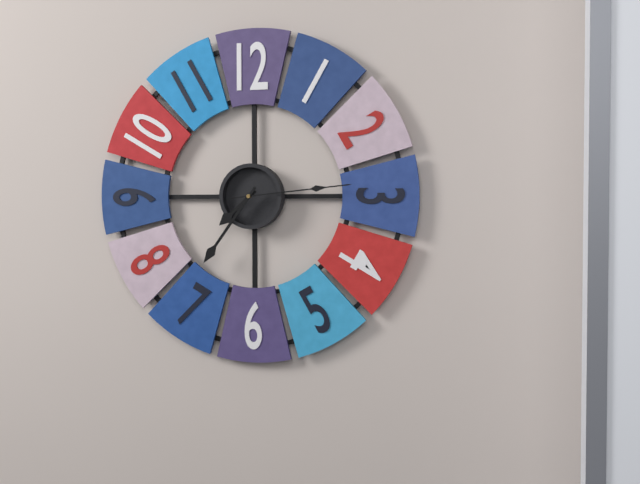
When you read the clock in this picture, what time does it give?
7:36:14
